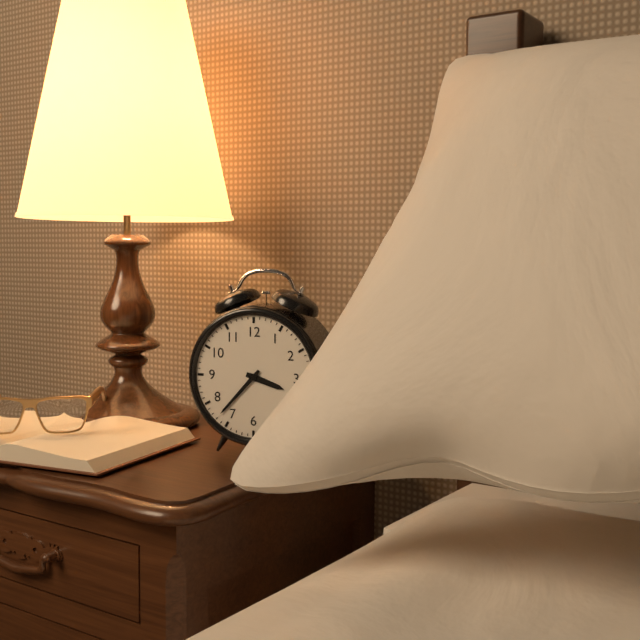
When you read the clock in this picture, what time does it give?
3:37
